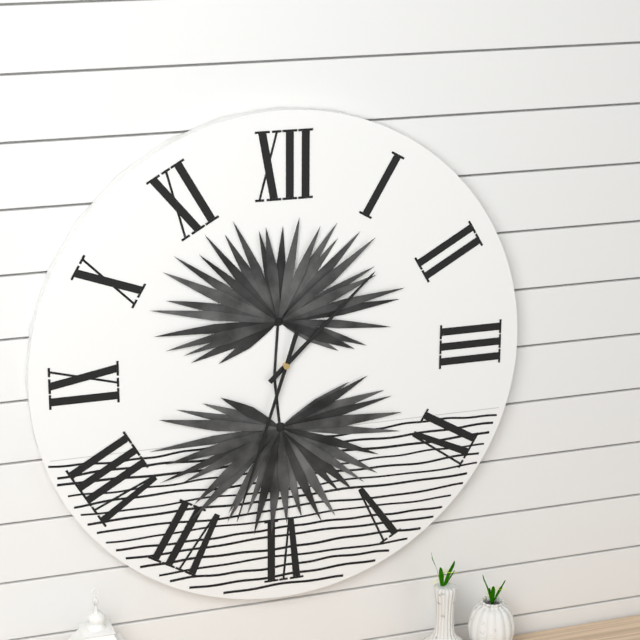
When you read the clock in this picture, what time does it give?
1:33
